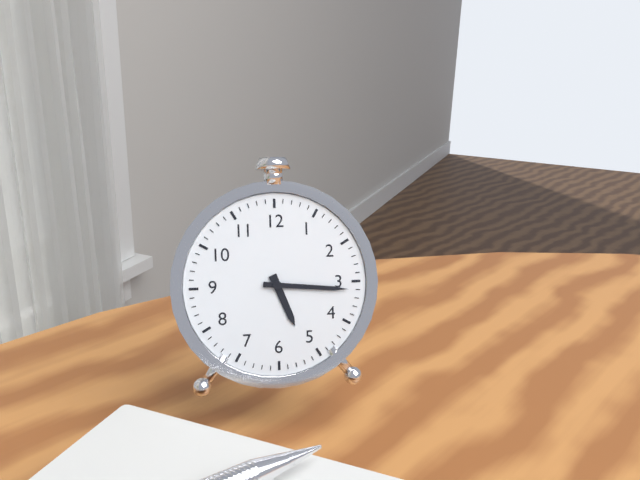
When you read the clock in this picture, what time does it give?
5:16
